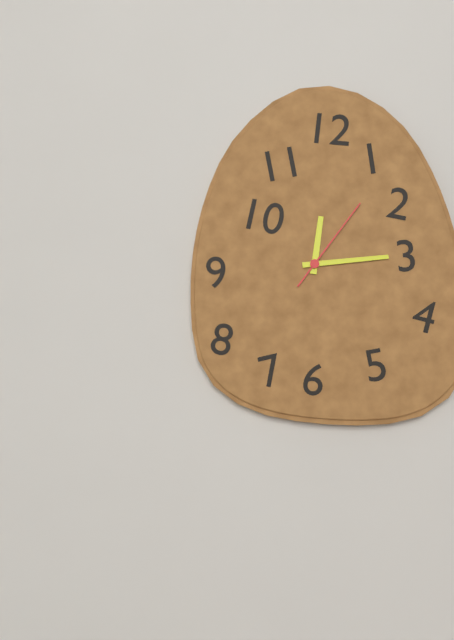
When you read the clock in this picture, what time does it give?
12:14:06
